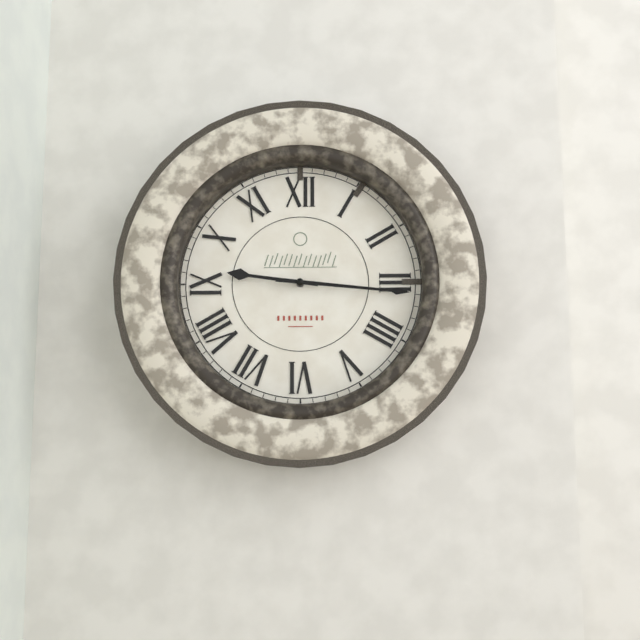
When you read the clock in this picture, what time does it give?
9:16
